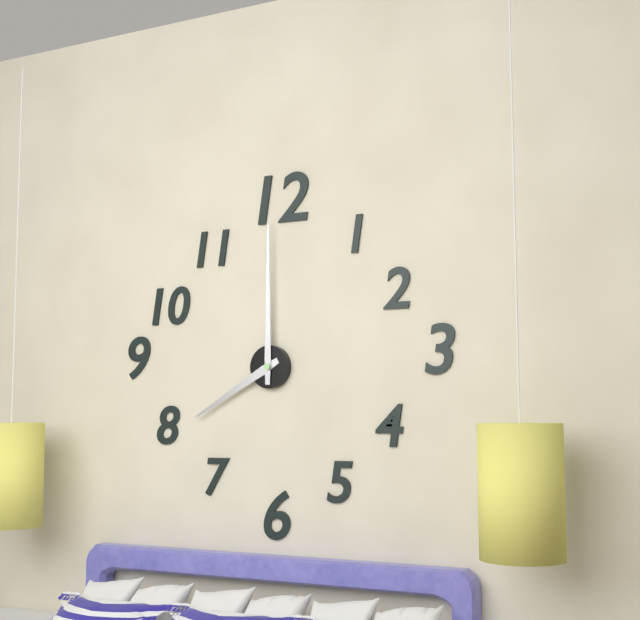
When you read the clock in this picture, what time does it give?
8:00
